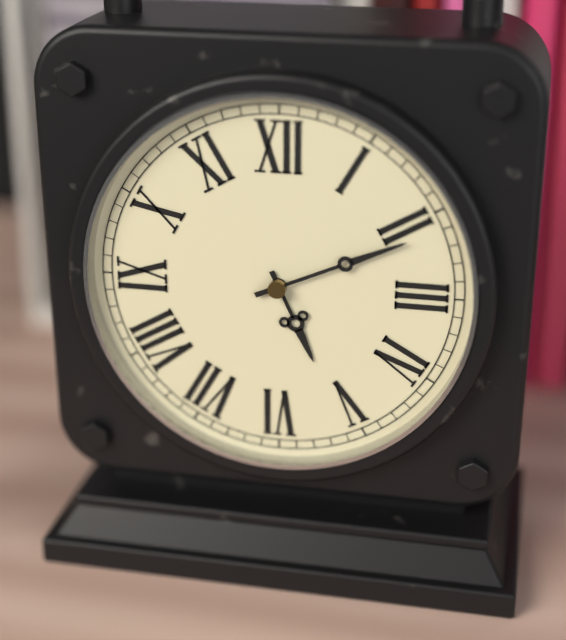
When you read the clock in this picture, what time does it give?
5:11
